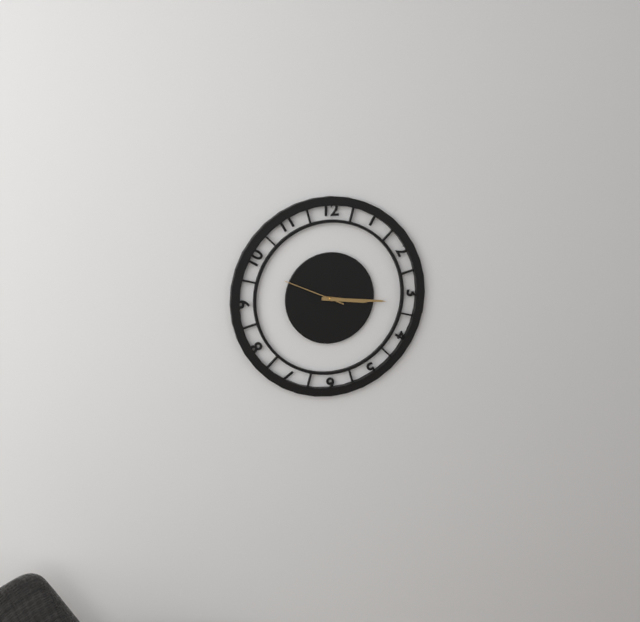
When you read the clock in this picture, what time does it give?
3:16:49
